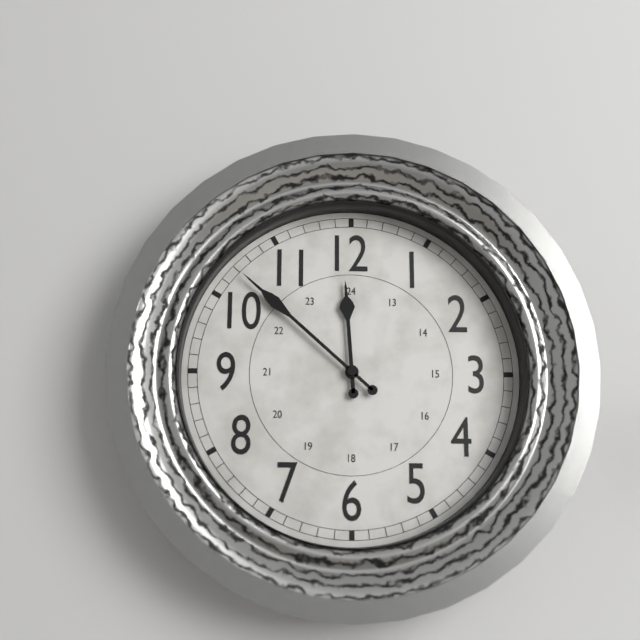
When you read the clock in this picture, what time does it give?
11:52
